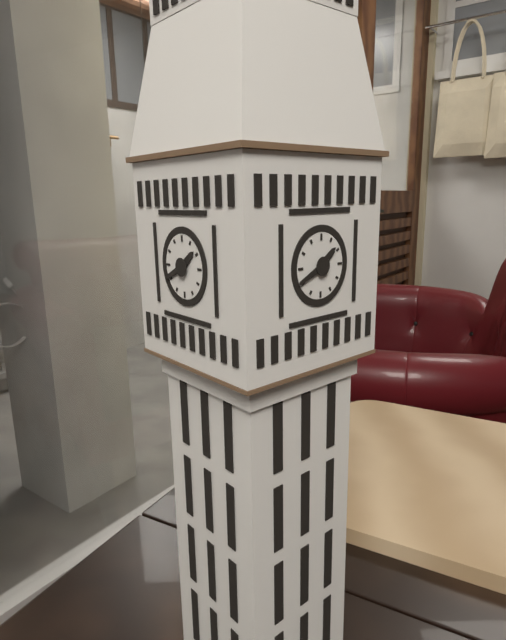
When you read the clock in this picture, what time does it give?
1:41
